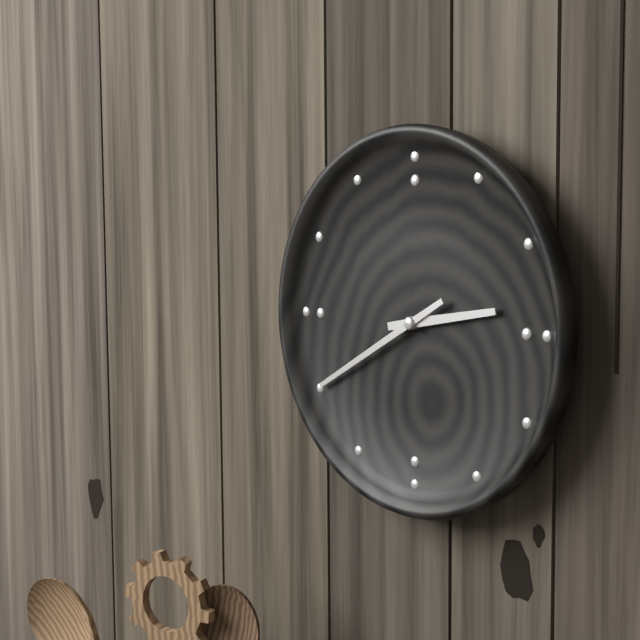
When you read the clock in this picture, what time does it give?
2:40
